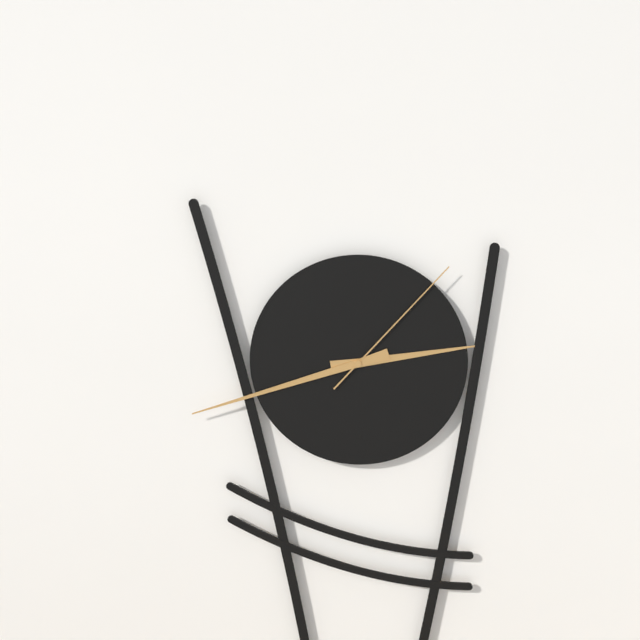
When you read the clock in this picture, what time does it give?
2:42:07
